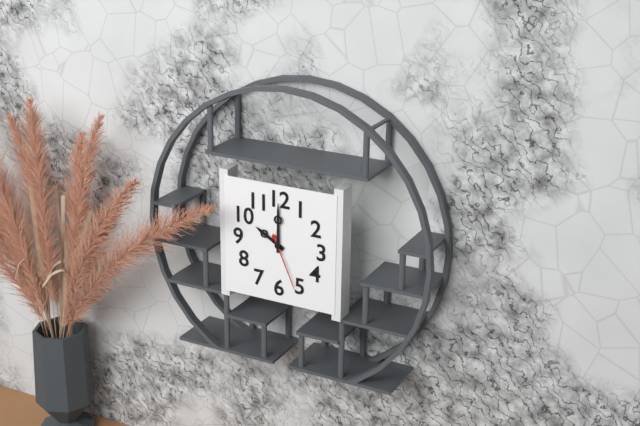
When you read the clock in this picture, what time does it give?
10:00:26
